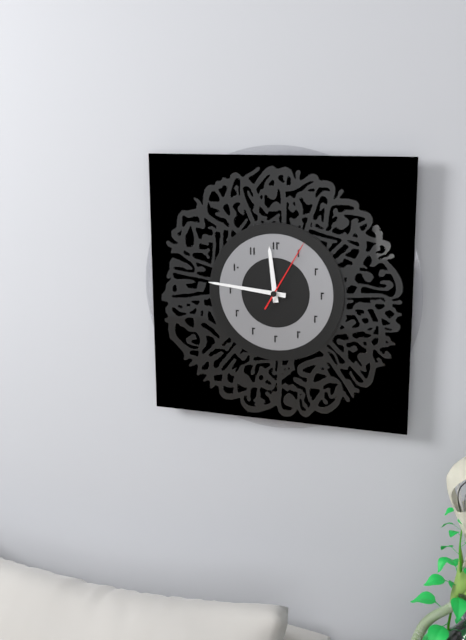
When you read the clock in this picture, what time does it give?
11:46:05
